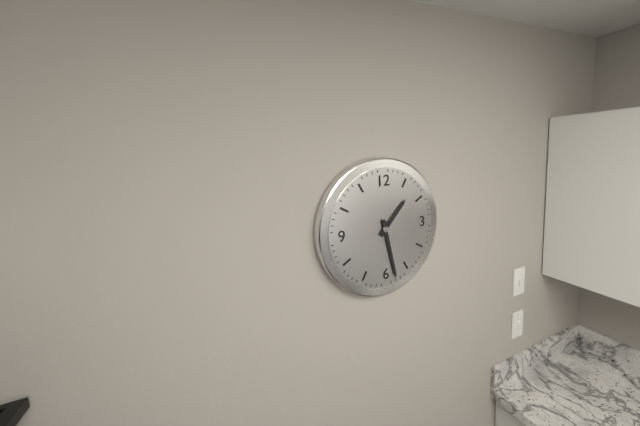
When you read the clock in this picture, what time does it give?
1:28
